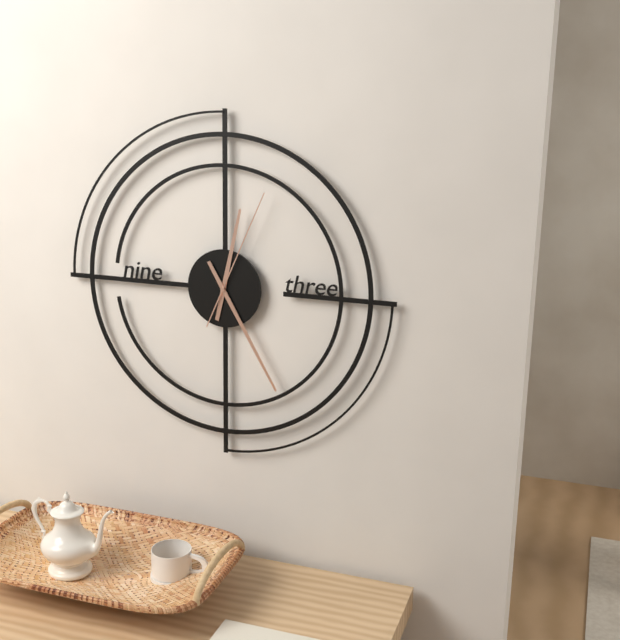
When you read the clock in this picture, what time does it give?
12:25:04
